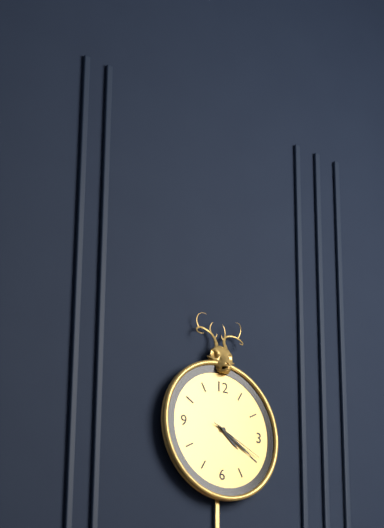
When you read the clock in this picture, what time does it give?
4:20:19
